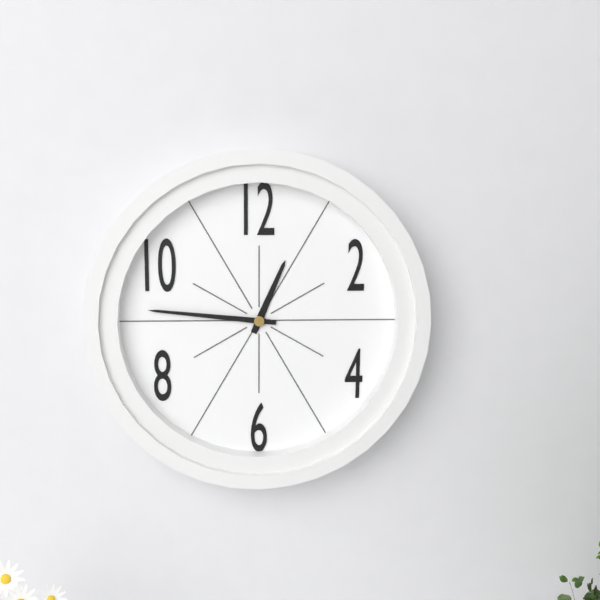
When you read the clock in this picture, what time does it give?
12:46
